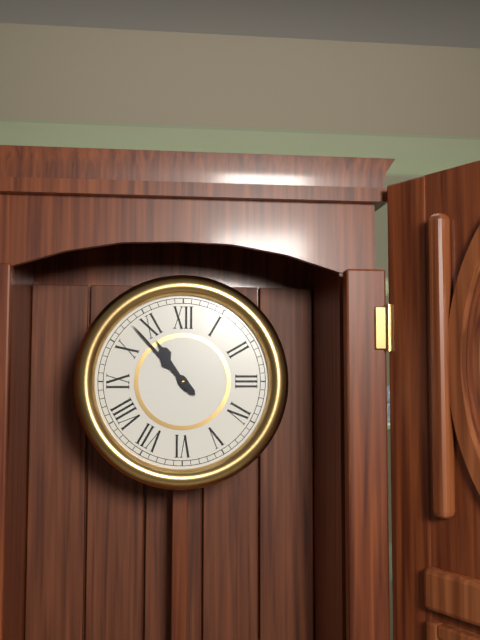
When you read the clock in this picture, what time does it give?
10:53
